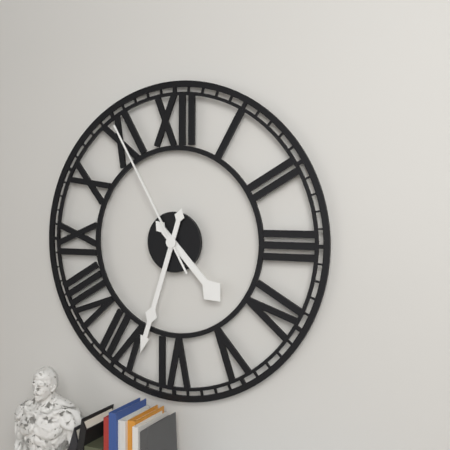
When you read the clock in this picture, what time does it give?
4:33:55
